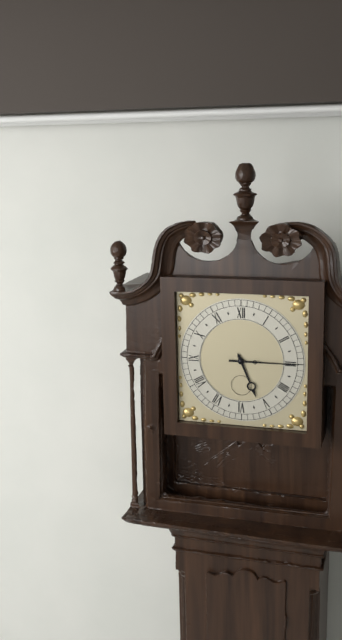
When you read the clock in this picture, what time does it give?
5:15
